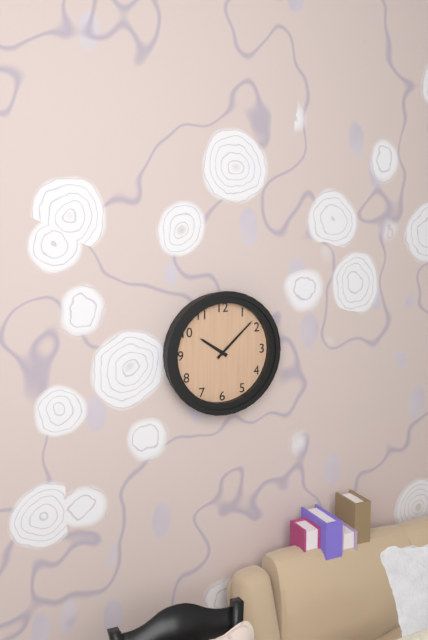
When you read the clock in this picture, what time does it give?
10:08
